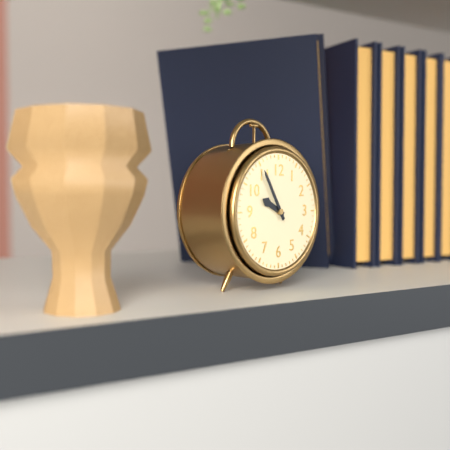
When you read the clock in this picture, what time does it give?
9:55
